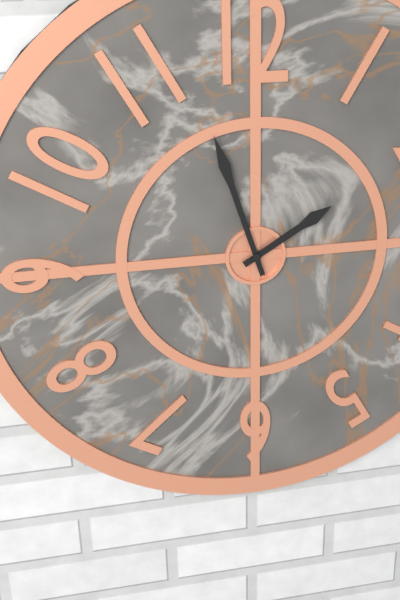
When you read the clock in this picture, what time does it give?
1:57
